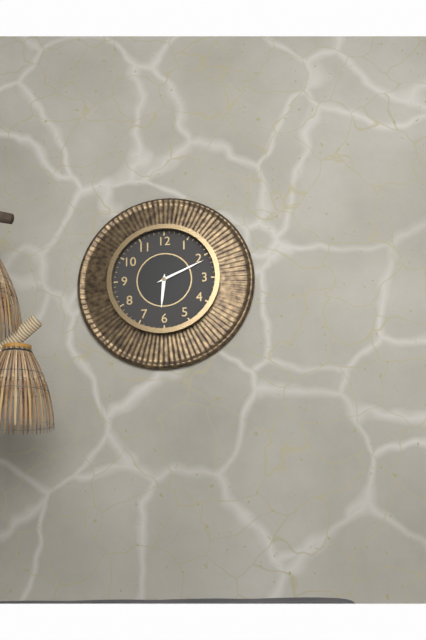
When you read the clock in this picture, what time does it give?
6:11
